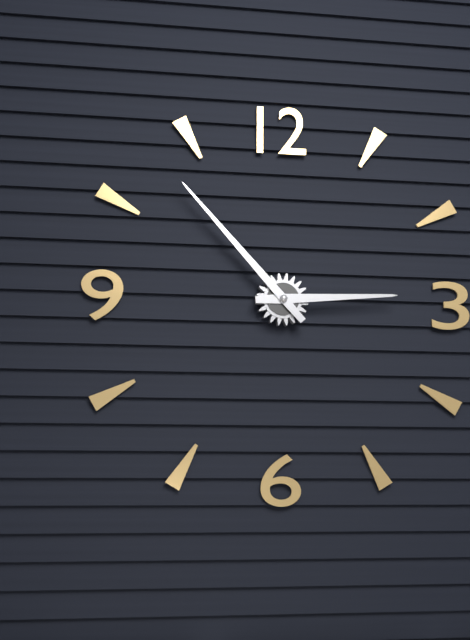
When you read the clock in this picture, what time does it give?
2:53
